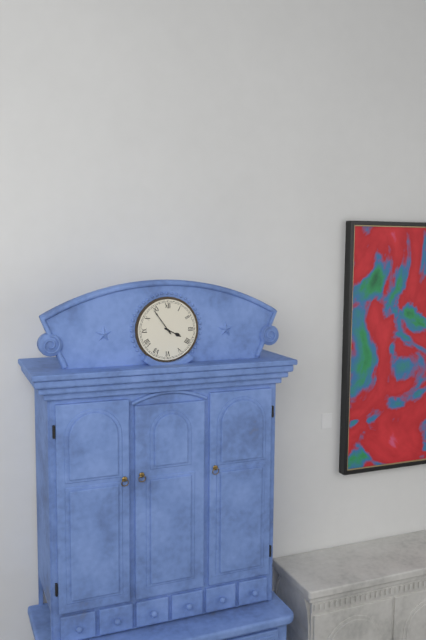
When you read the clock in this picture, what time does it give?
3:54
